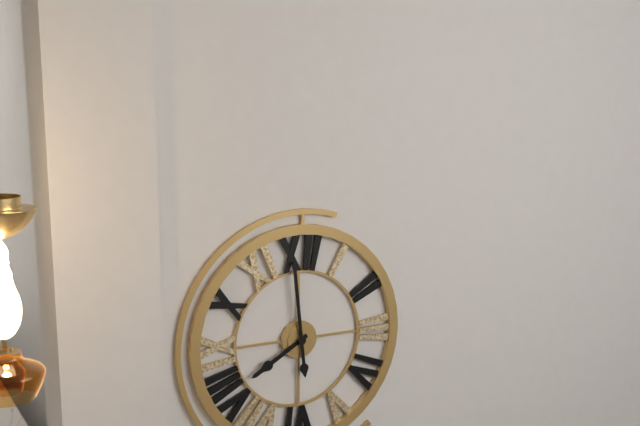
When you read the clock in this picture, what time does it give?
7:59
